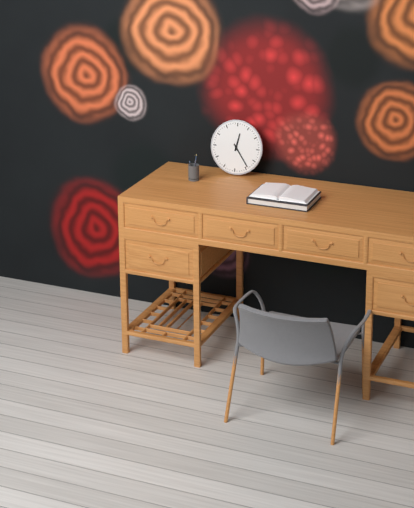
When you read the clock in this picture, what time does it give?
12:24
